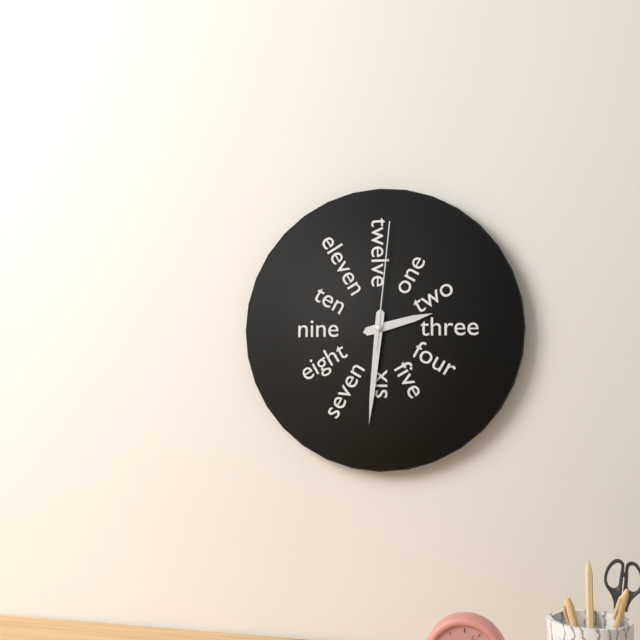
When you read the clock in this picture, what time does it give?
2:31:01
